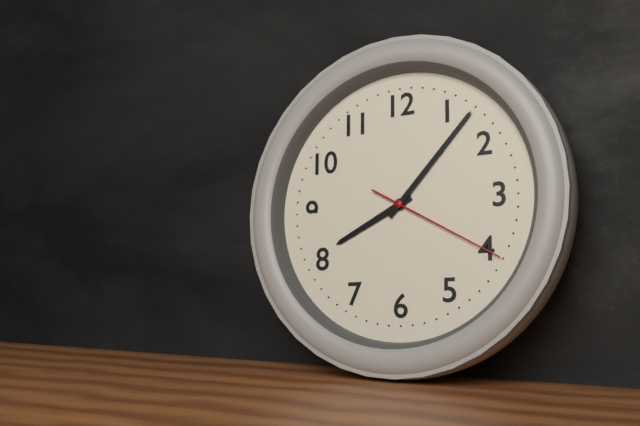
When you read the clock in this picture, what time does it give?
8:07:20
